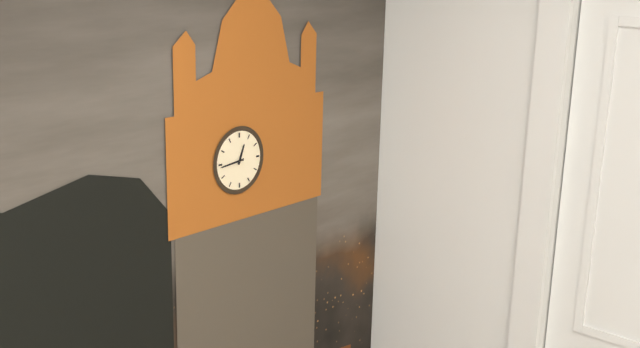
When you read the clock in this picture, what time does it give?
12:44
